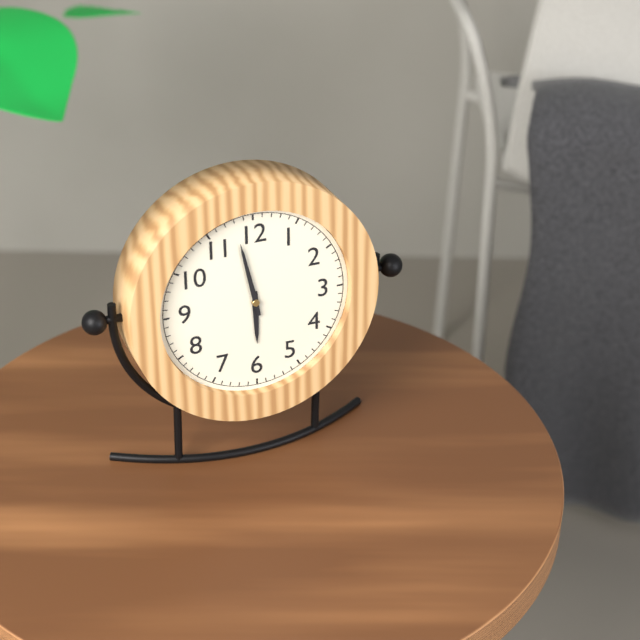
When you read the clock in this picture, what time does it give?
5:58
